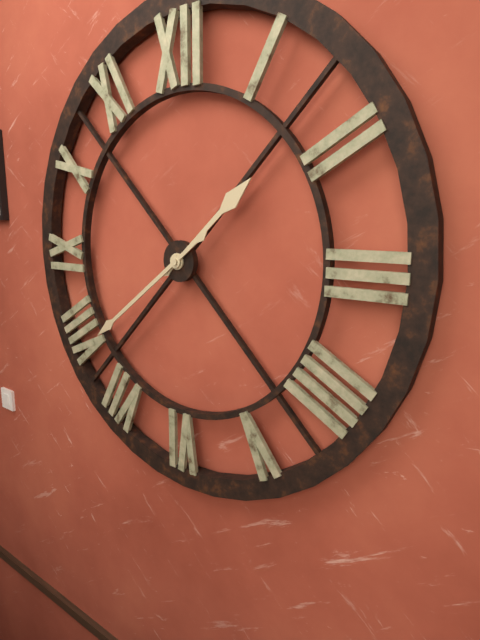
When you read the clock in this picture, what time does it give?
1:39
